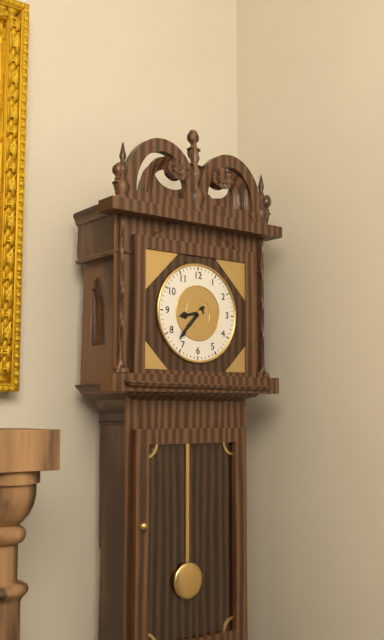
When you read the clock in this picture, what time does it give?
8:37
